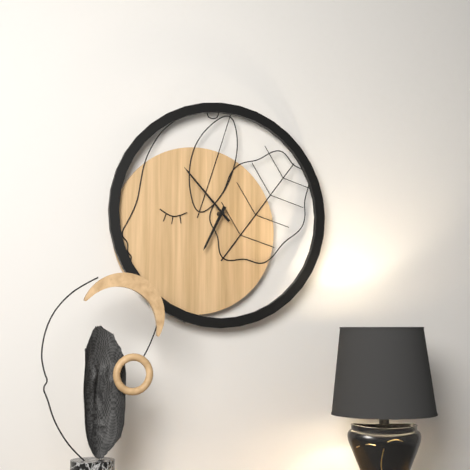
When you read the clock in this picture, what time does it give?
6:53
